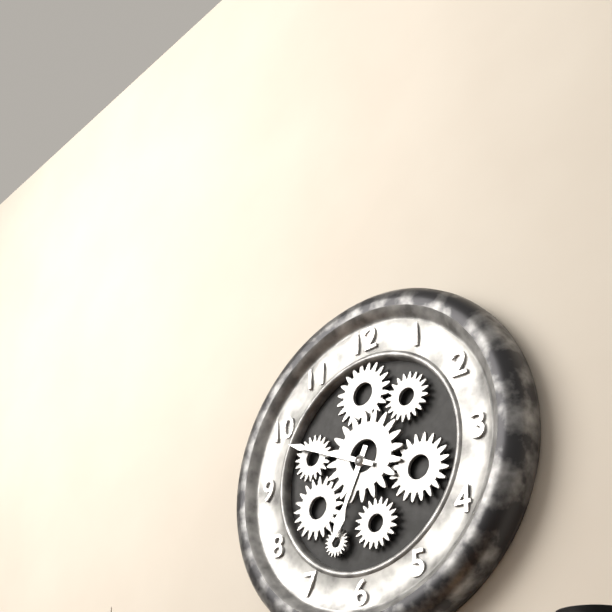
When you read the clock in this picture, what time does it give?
6:49
